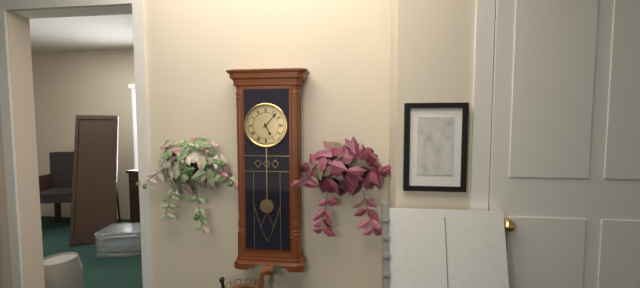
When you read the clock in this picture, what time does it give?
5:07
